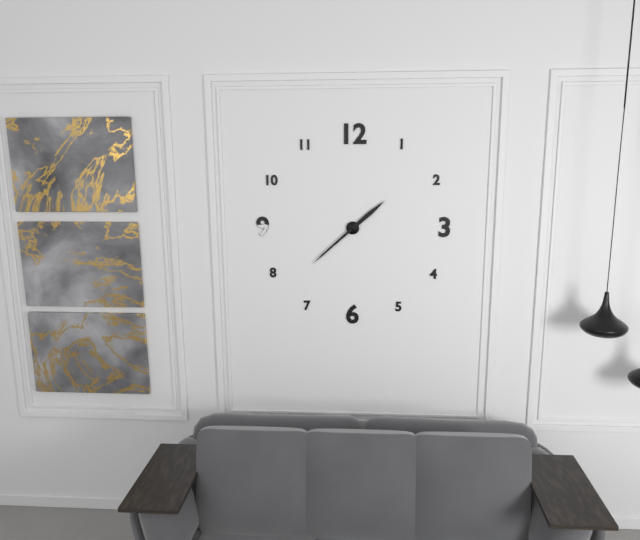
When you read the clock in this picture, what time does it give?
1:38
